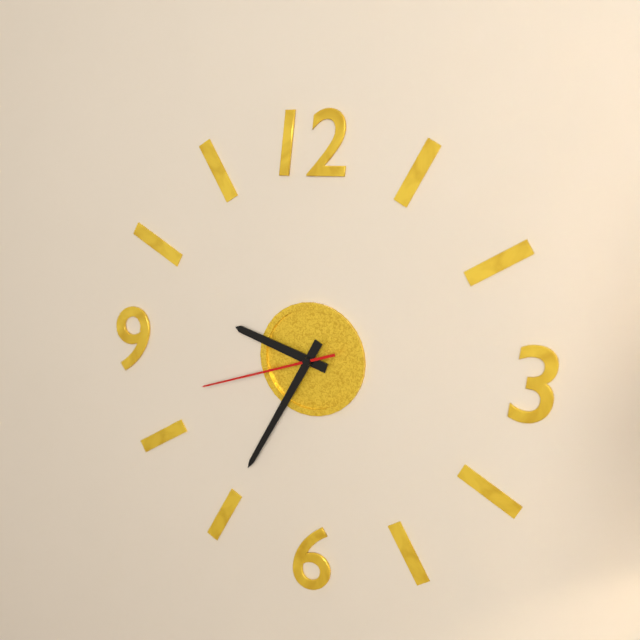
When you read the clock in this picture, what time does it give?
9:35:42
